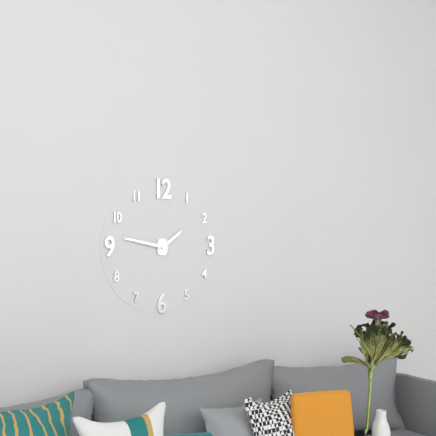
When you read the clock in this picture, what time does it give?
1:47
